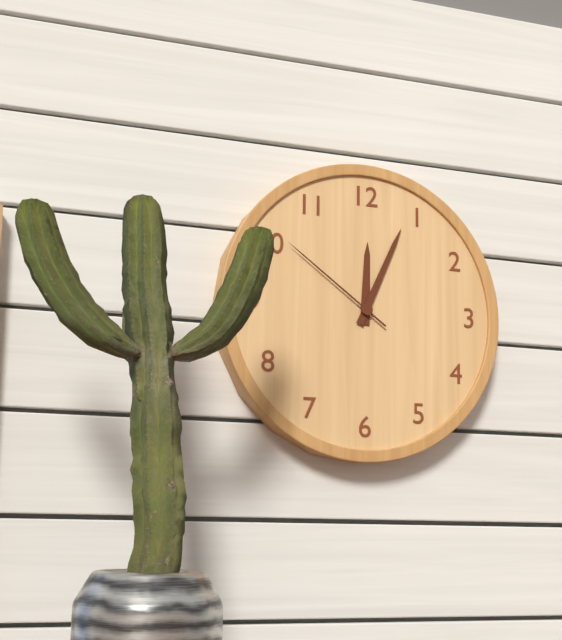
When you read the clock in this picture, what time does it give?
12:04:51
